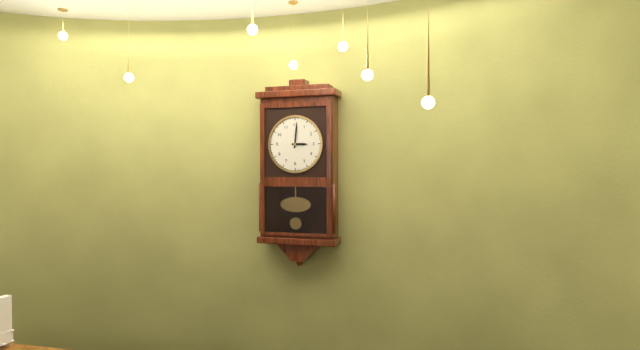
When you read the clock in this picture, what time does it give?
3:01
